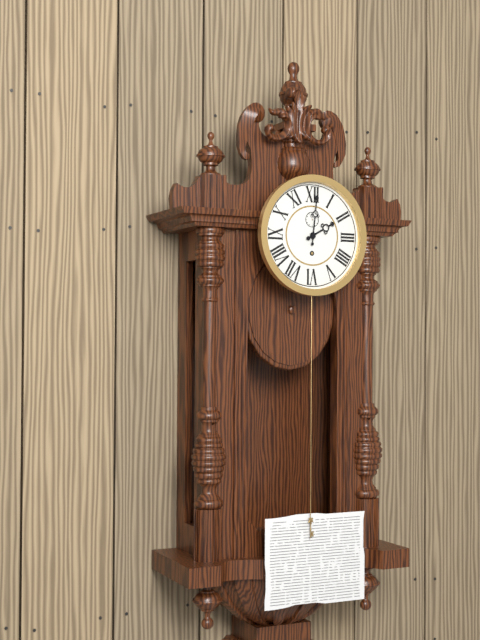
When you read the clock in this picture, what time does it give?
2:01
